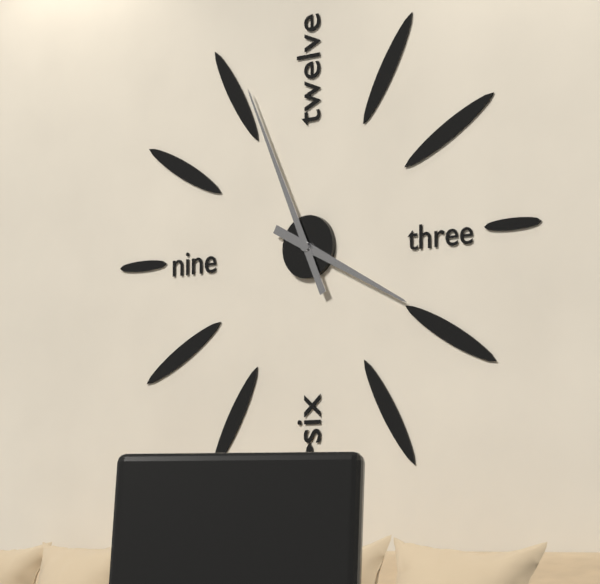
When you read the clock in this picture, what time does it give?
3:56
